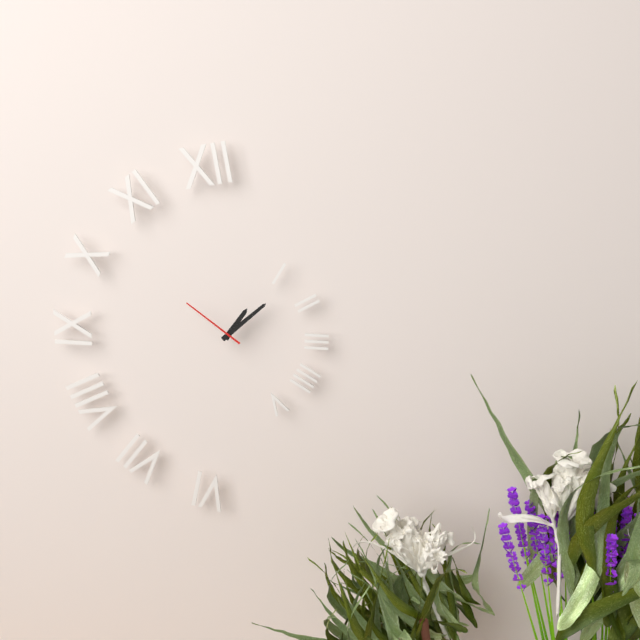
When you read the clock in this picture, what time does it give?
1:08:51
